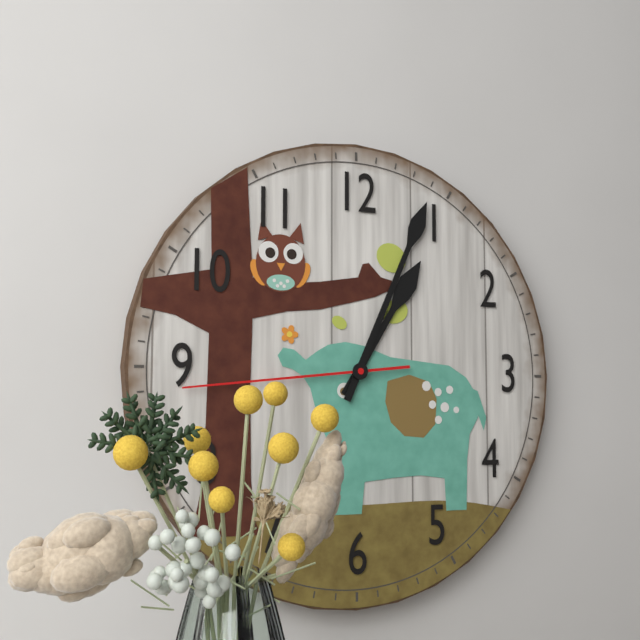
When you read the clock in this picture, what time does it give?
1:04:44
